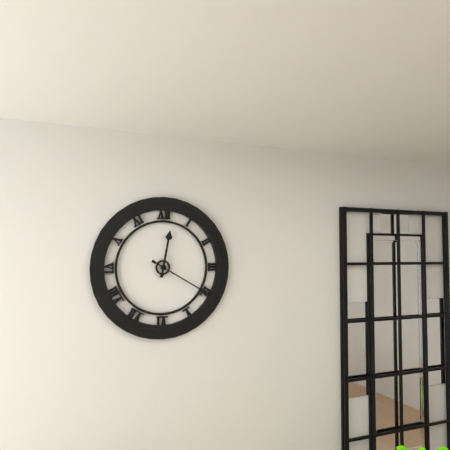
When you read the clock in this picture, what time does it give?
12:20
